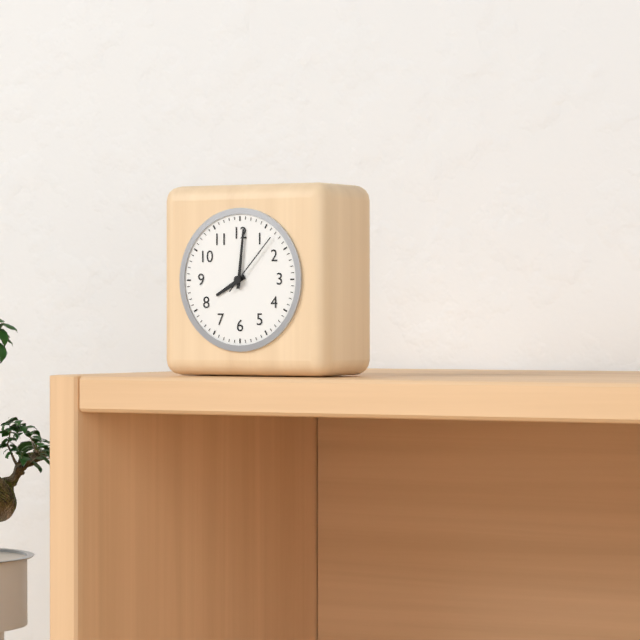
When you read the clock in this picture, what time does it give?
8:01:07
